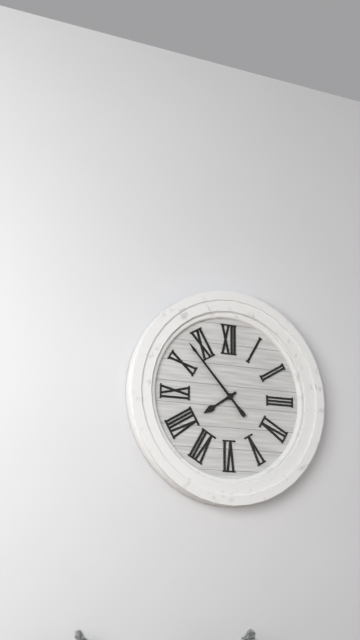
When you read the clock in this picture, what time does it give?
7:53
